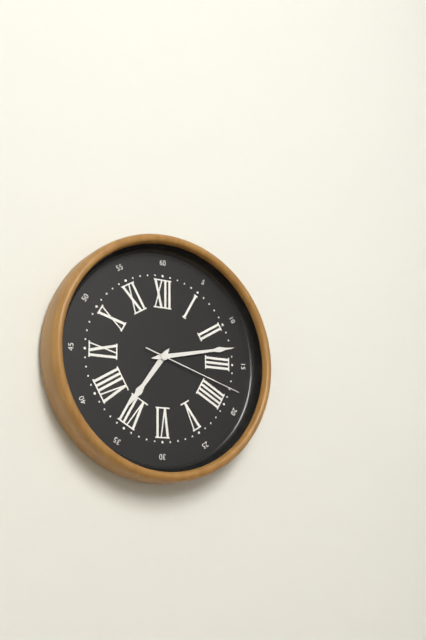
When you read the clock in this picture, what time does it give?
7:13:18
